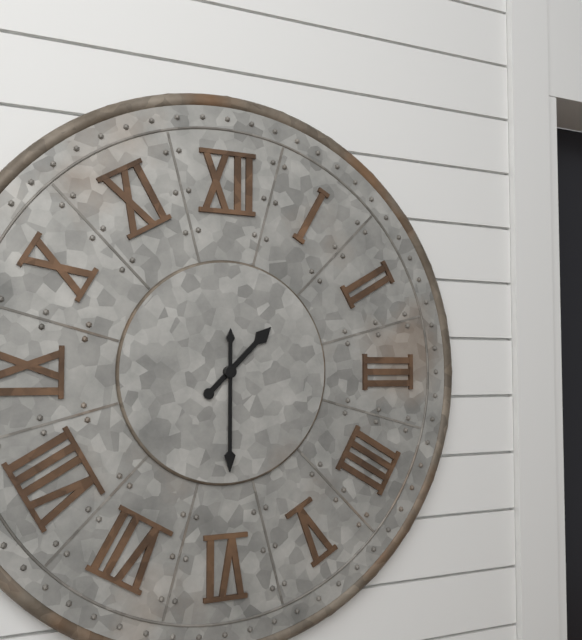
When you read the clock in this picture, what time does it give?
1:30
